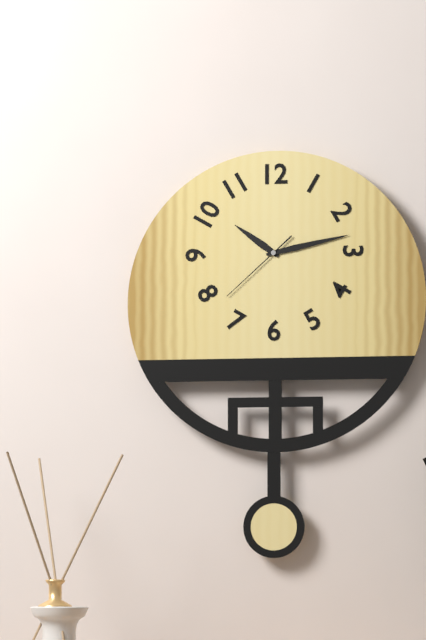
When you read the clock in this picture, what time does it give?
10:13:38
